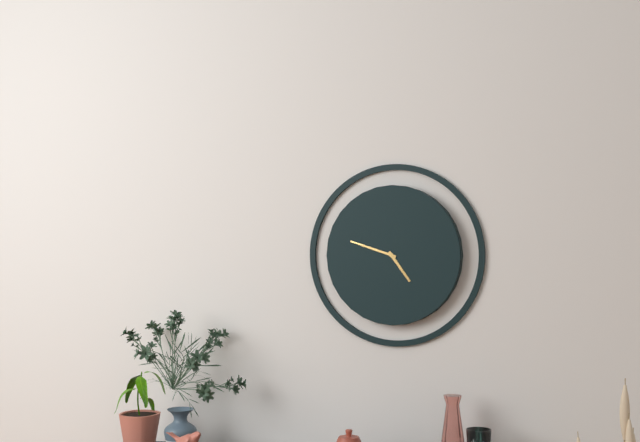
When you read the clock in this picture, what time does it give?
4:48
